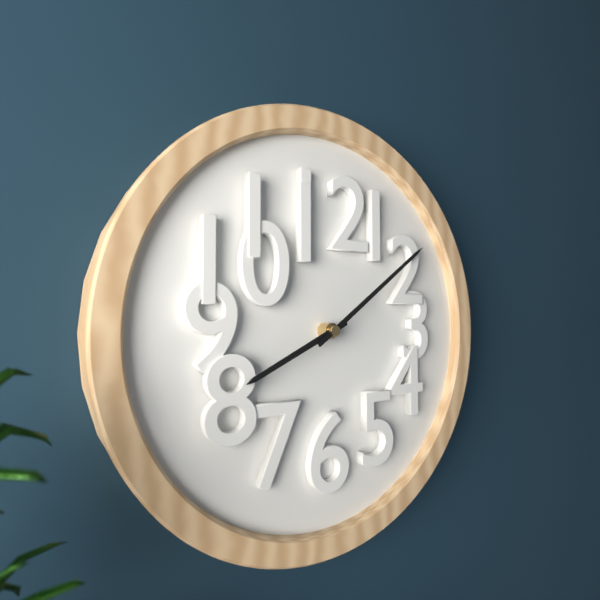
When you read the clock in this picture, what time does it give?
8:09
